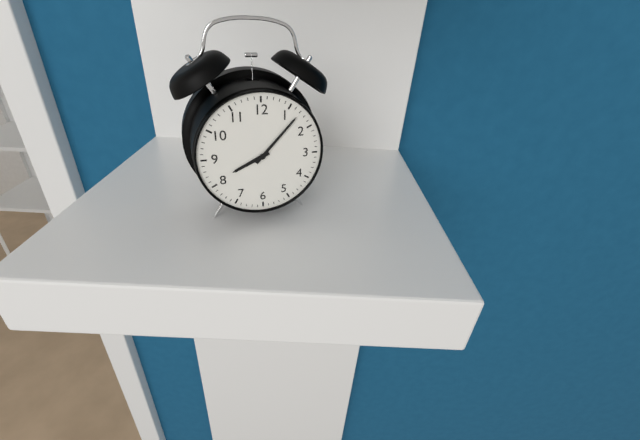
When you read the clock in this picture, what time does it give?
8:07
